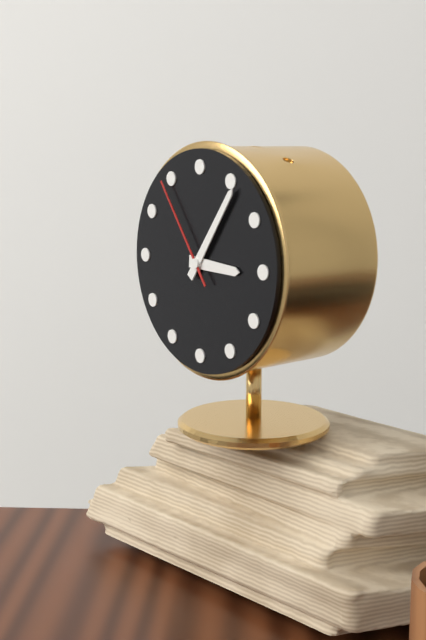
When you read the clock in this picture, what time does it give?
3:06:54
